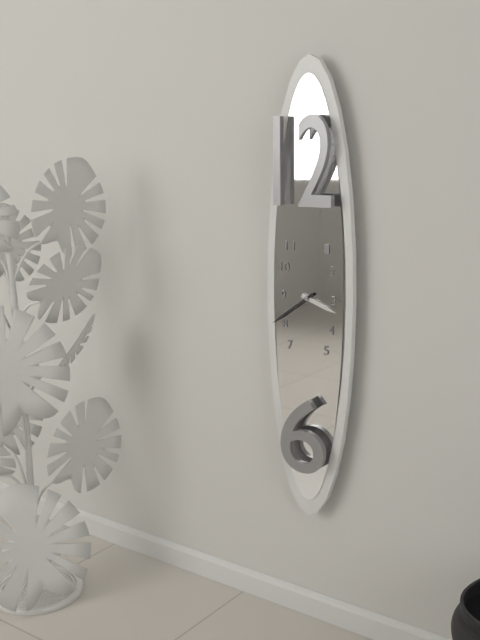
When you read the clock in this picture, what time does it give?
3:39
